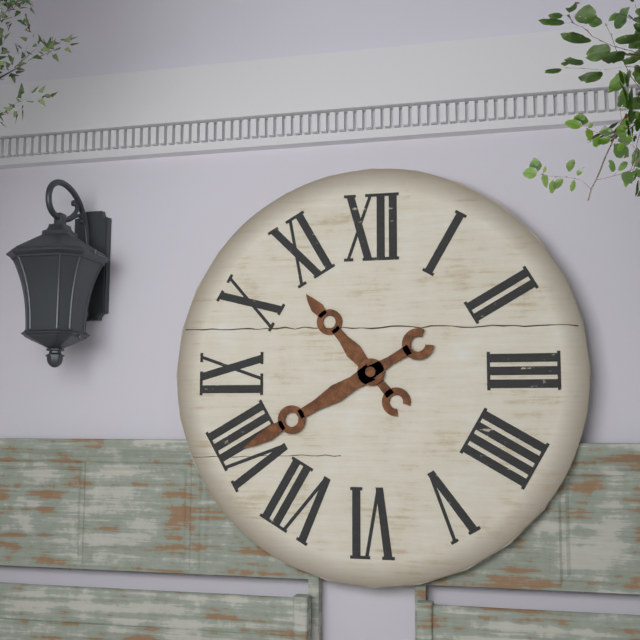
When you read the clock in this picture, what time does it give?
10:40
